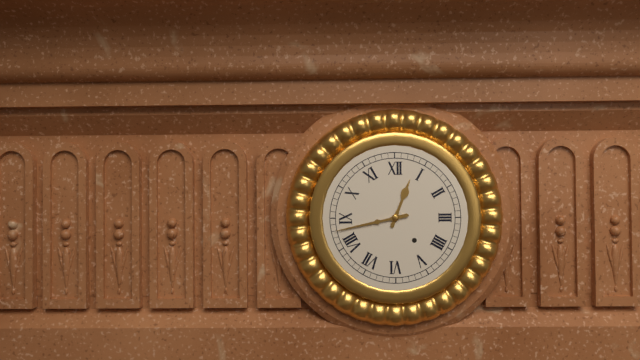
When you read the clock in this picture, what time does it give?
12:43
